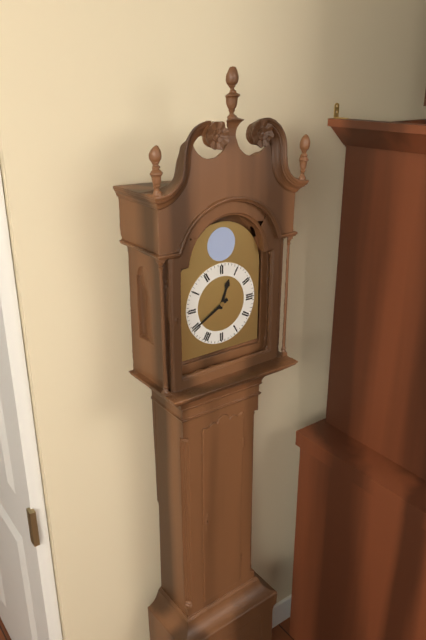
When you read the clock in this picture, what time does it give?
12:40
